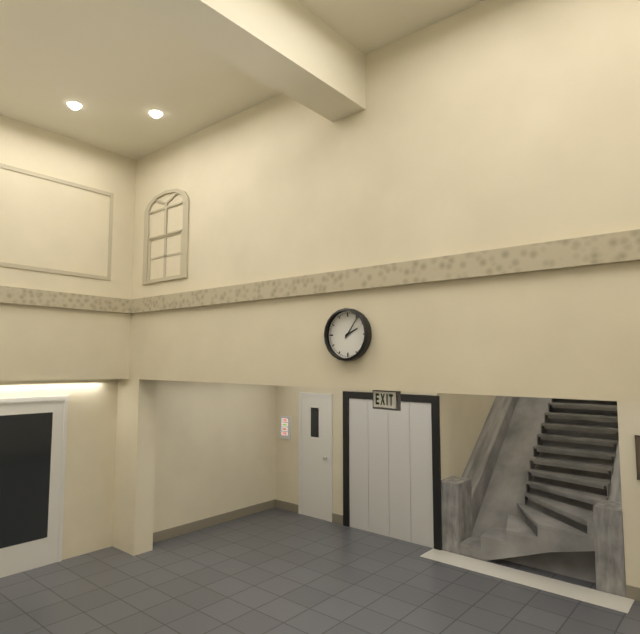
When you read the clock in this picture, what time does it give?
2:06
